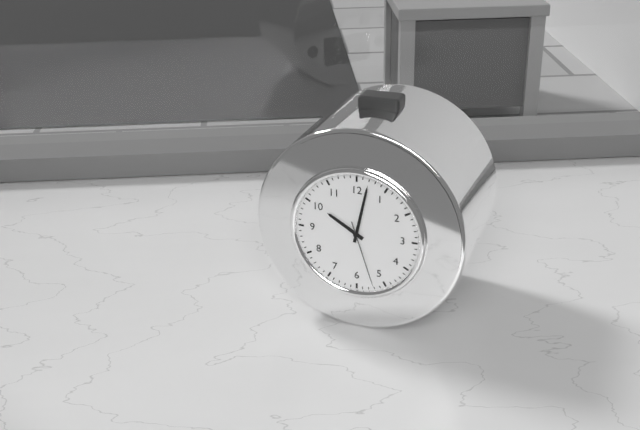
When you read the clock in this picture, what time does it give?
10:02:27
